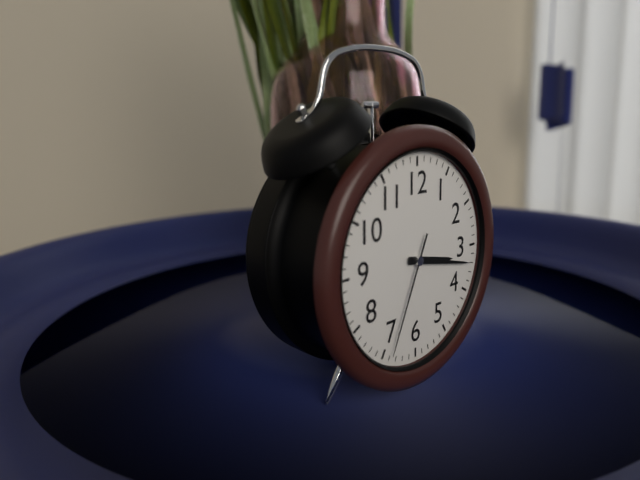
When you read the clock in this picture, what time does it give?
3:17:34
